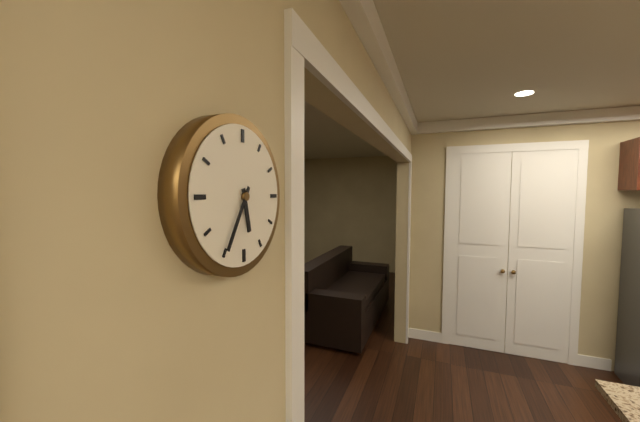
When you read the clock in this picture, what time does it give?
5:35
